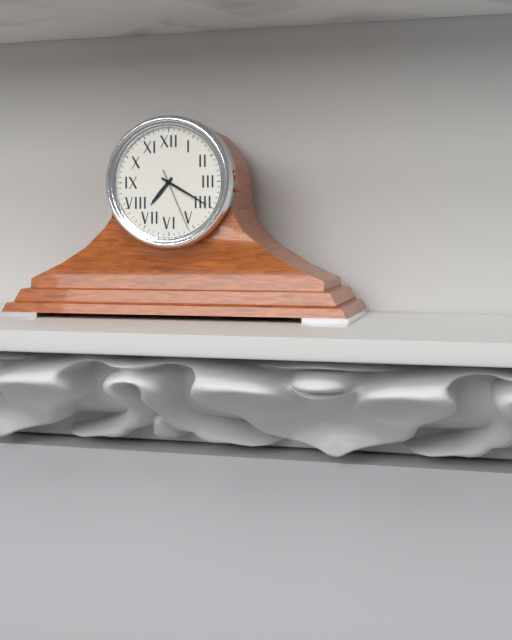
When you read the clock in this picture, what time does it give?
7:20:26
